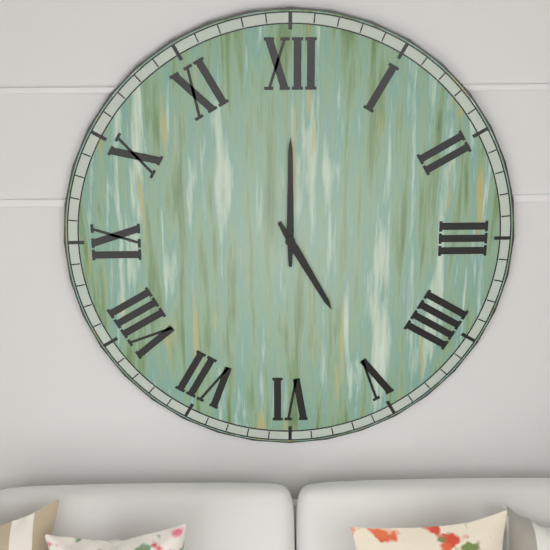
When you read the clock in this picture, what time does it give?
5:00
